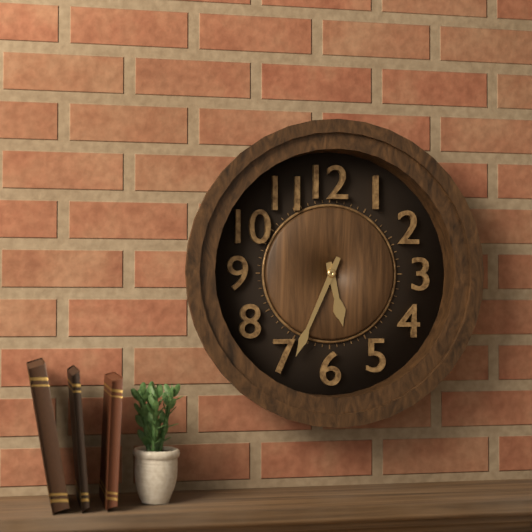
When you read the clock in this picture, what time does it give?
5:34
